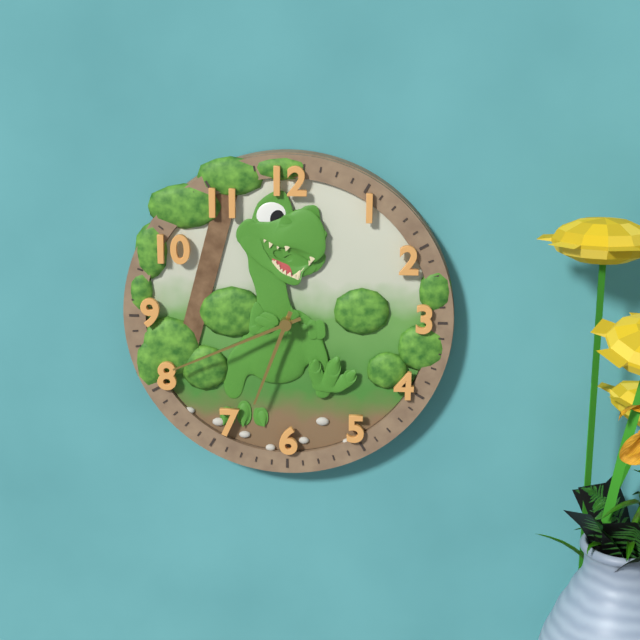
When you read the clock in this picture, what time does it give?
6:41
